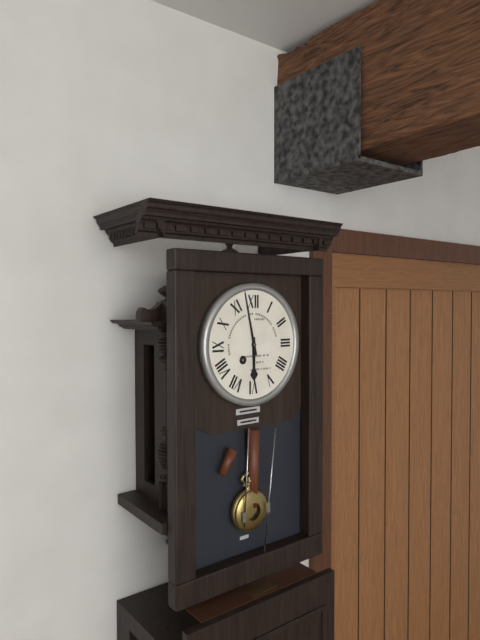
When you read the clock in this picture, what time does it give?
5:58
